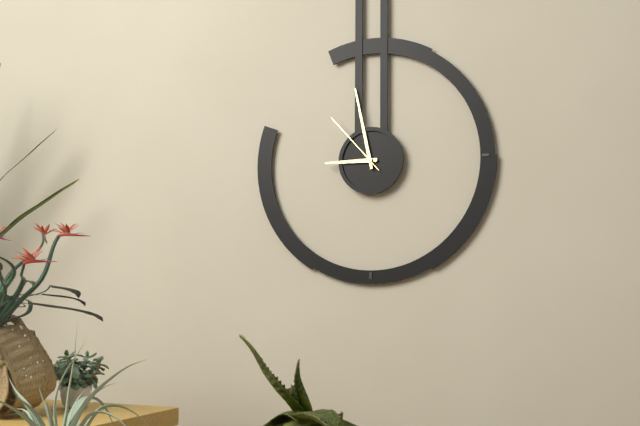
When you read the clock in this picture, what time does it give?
8:58:53
